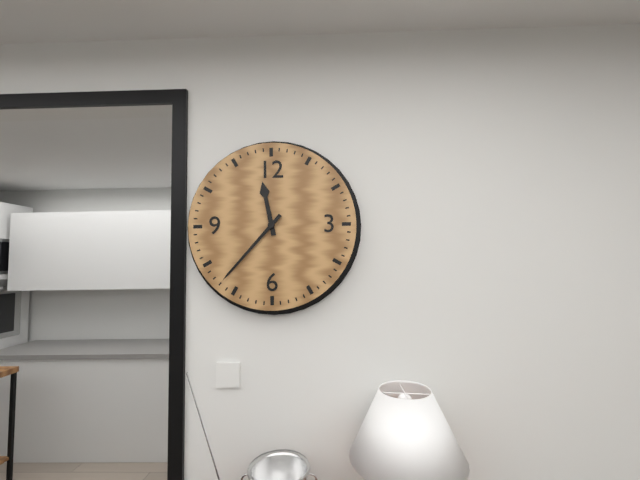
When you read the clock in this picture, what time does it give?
11:37
